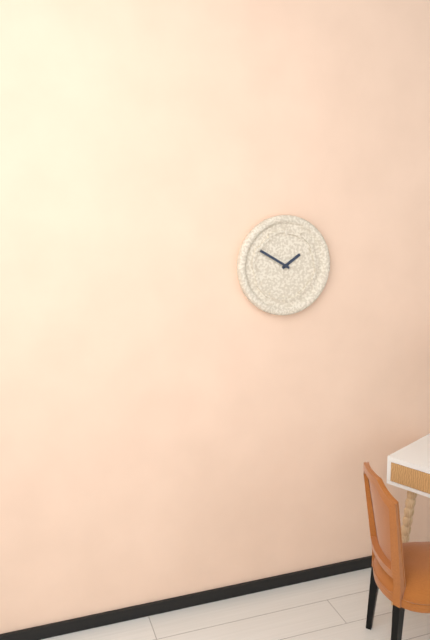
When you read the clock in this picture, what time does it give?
1:50
